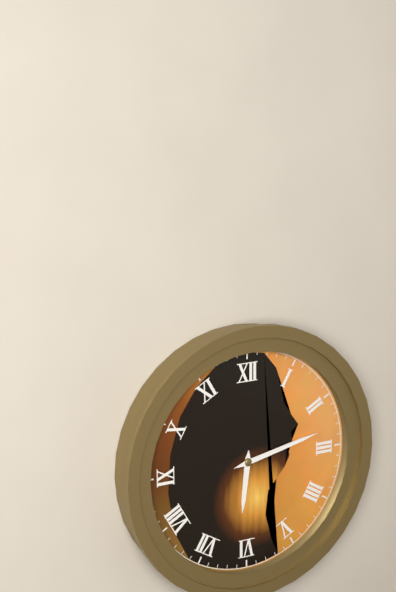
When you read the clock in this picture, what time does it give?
6:13
